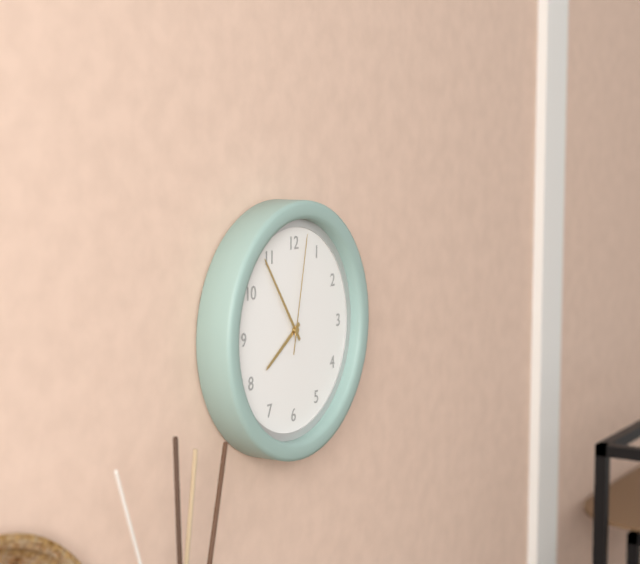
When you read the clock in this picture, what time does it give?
7:54:02
